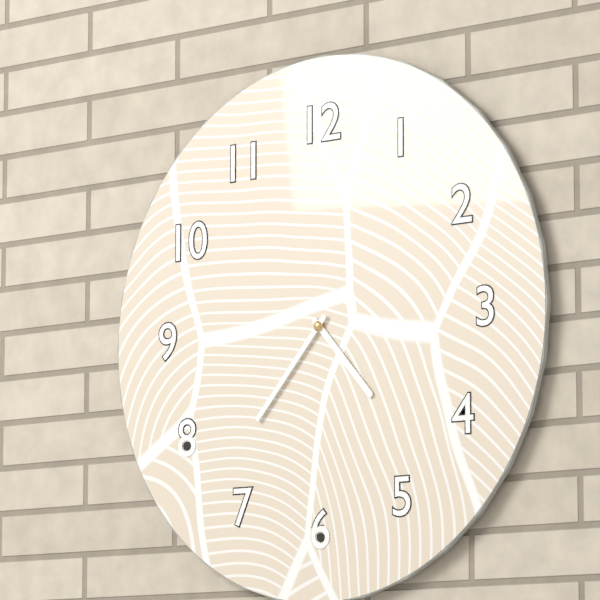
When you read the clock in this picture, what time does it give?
4:37
